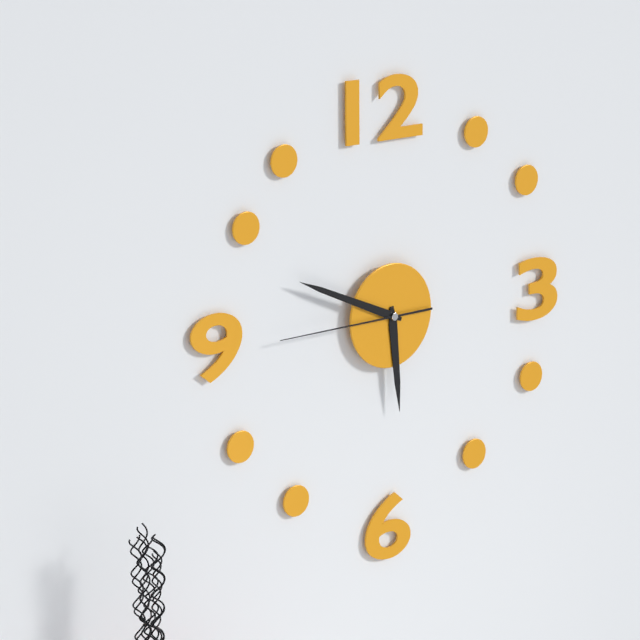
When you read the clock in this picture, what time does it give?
5:49:45
